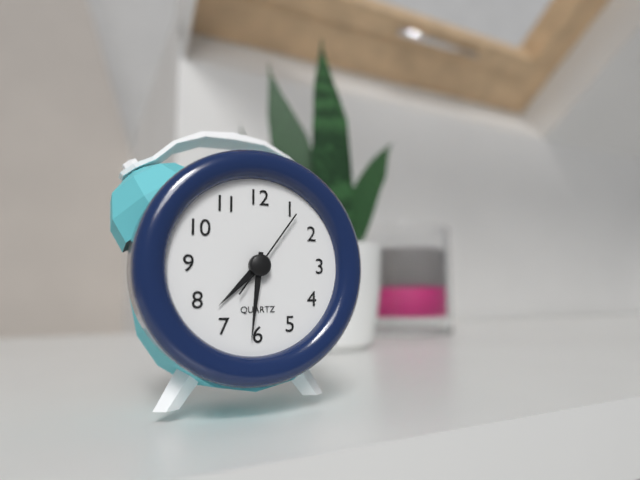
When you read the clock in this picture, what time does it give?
7:31:06
